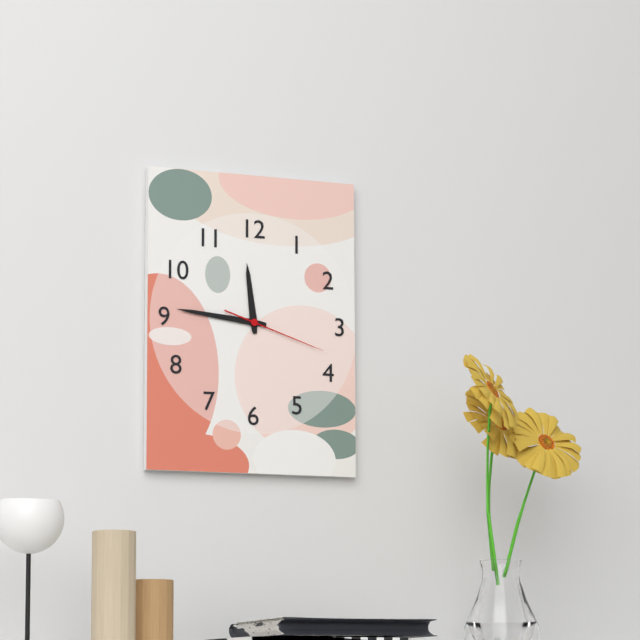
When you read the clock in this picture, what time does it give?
11:46:18
